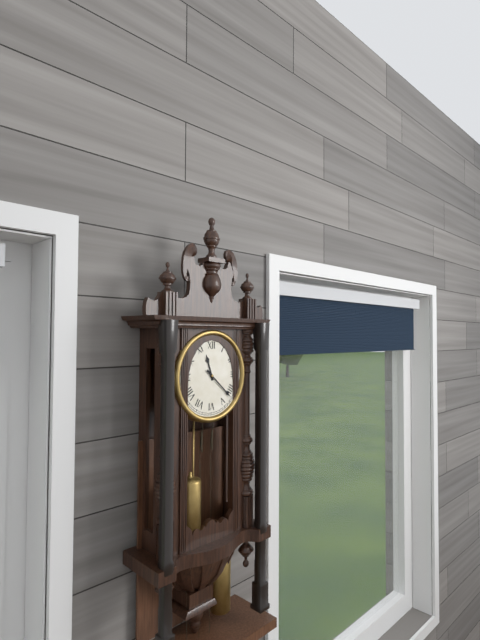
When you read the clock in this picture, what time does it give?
11:22
